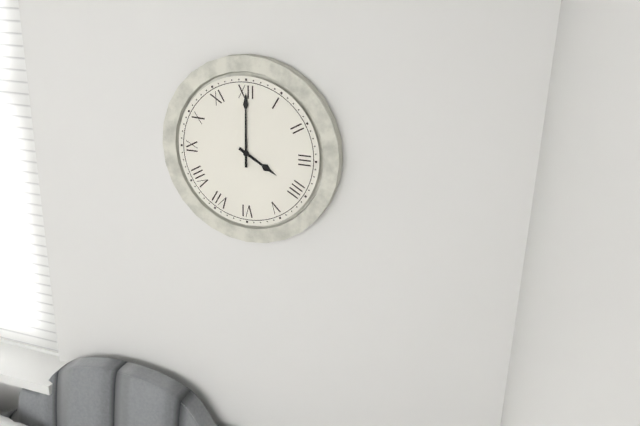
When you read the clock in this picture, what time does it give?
4:00
